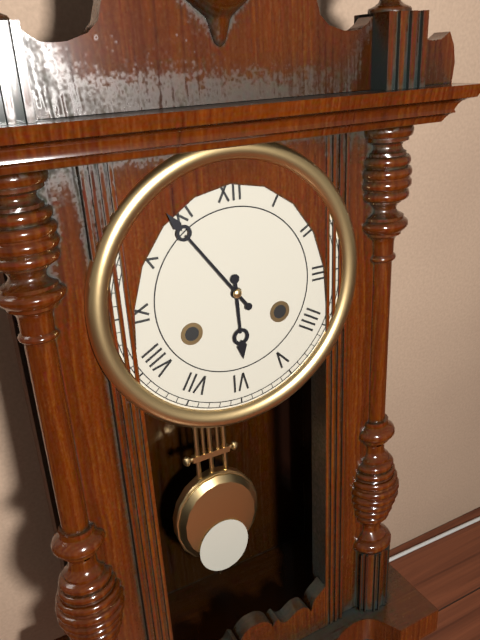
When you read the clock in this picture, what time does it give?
5:54
